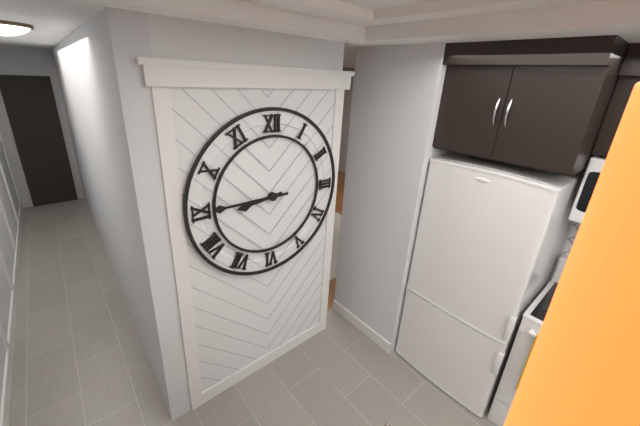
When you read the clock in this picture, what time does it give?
8:45
